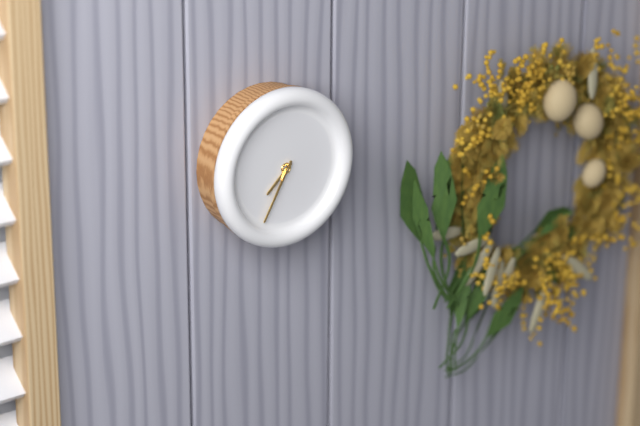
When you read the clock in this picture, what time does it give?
7:35
